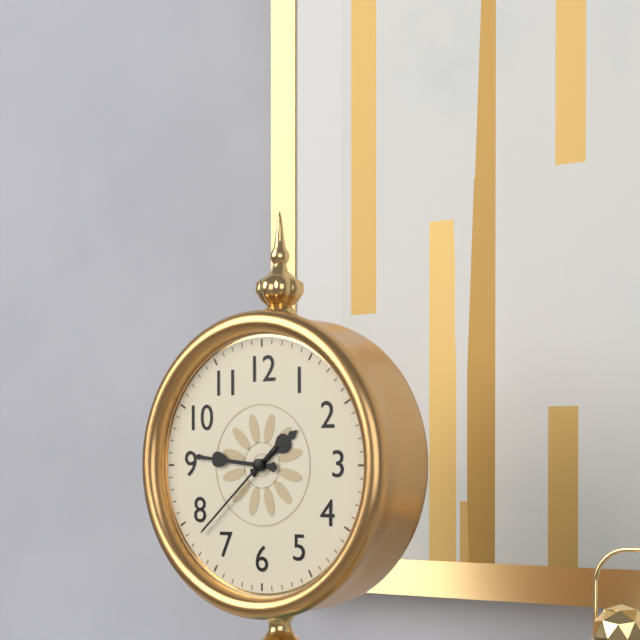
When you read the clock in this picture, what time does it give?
1:46:38
